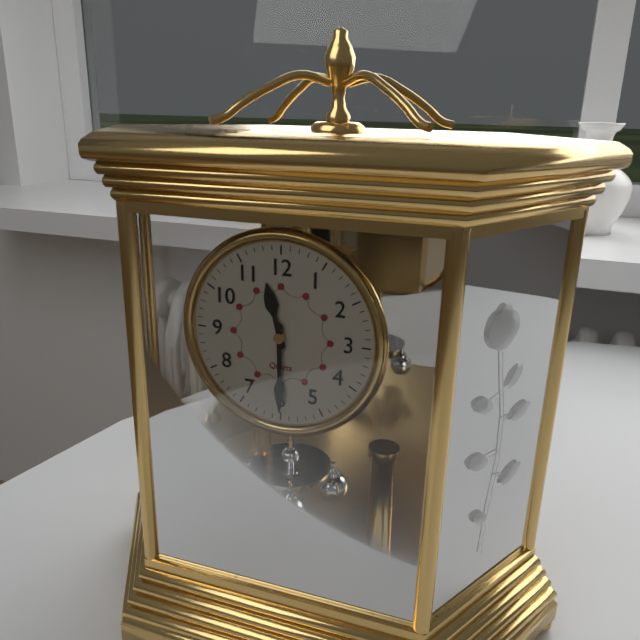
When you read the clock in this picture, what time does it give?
11:30
